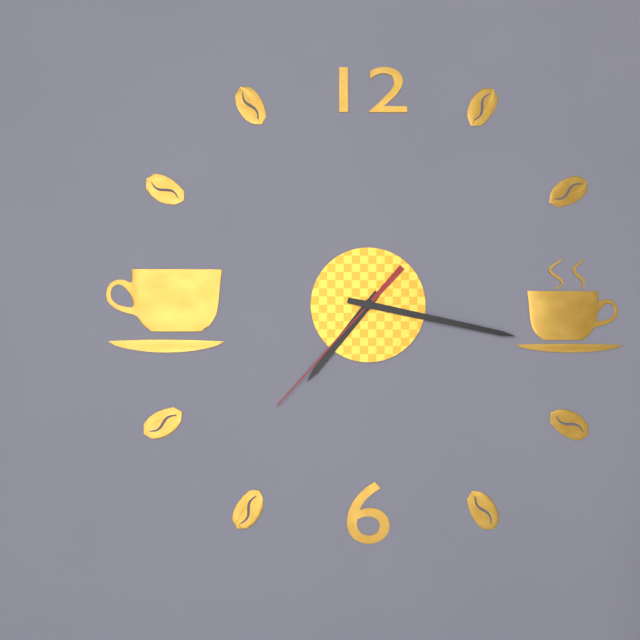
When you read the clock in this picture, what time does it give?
7:17:37
